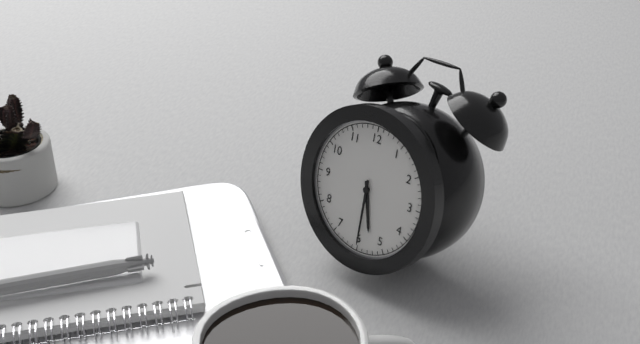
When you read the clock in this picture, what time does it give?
5:30
